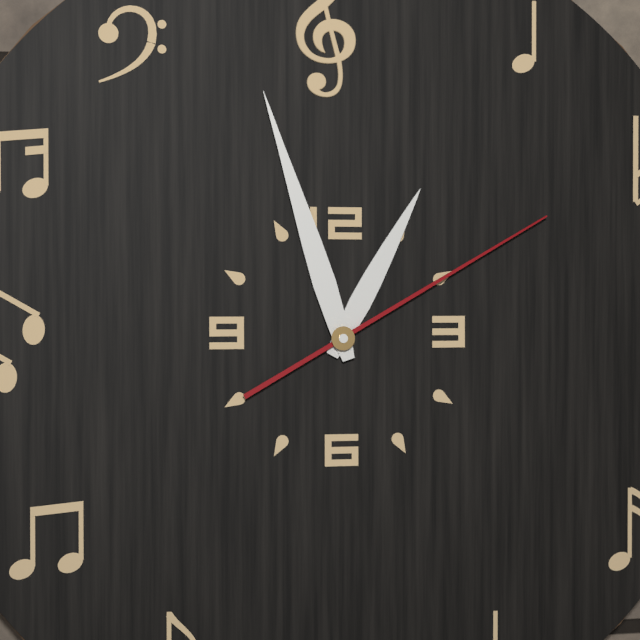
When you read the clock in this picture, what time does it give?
12:57:10
